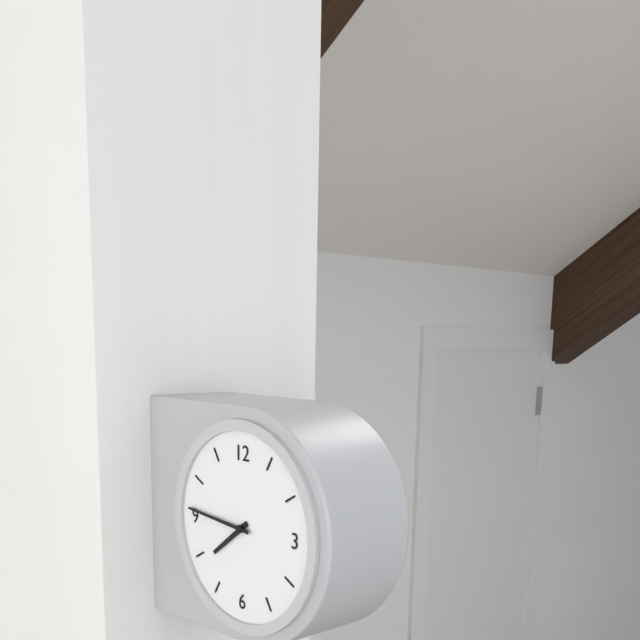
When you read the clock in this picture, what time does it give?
7:46
